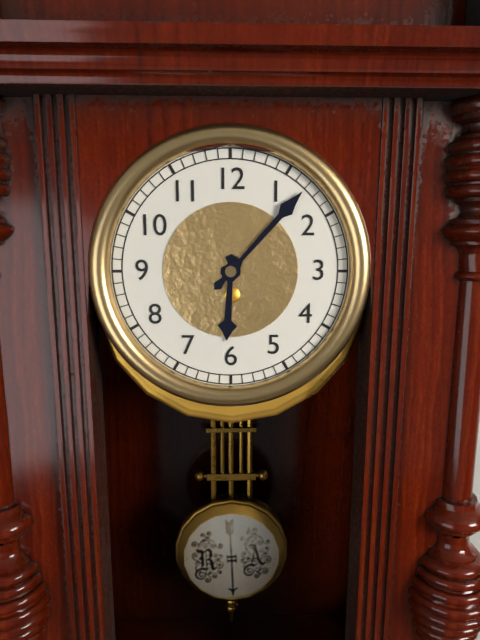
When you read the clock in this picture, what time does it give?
6:07
